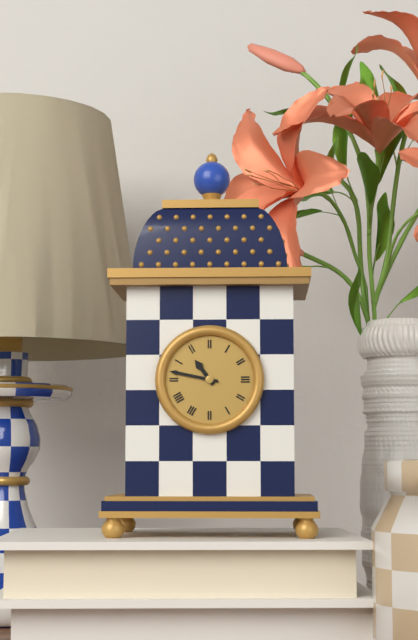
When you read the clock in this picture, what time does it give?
10:47
